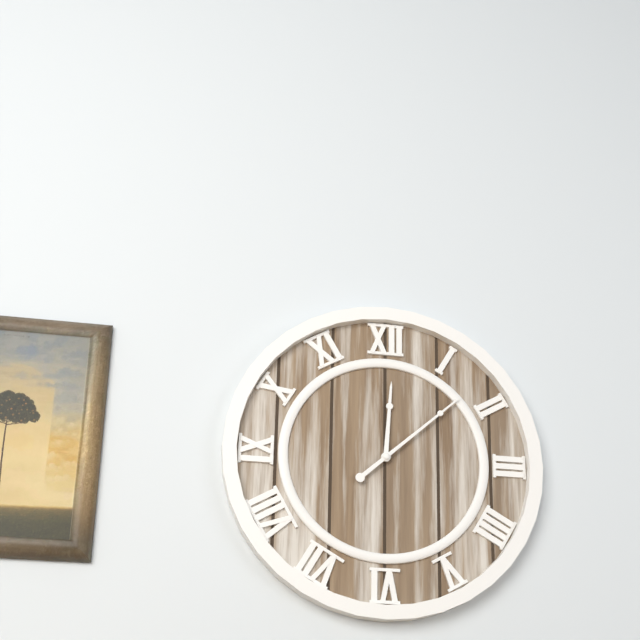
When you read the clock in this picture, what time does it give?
12:08
